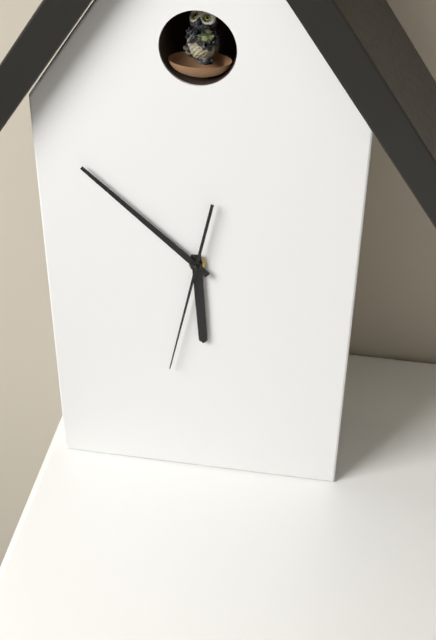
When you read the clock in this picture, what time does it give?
5:52:32
